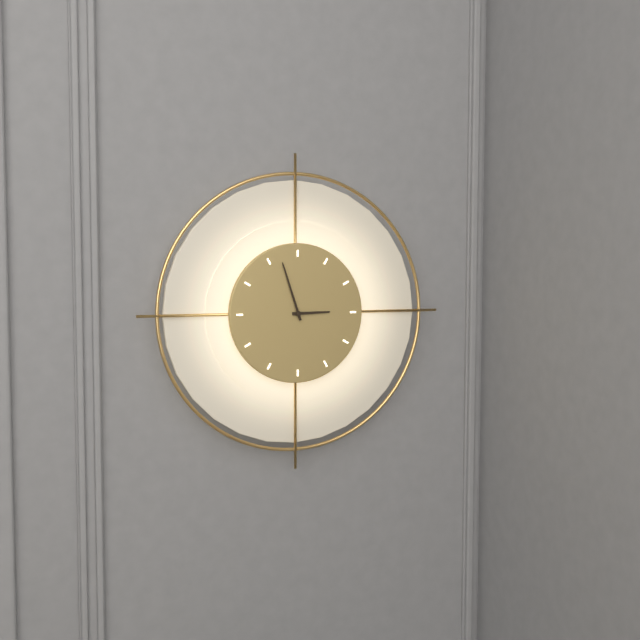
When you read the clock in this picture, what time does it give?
2:57
